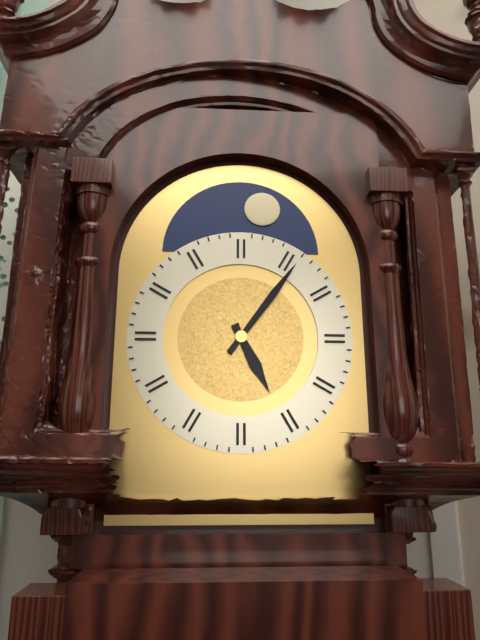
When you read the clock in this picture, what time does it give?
5:06
